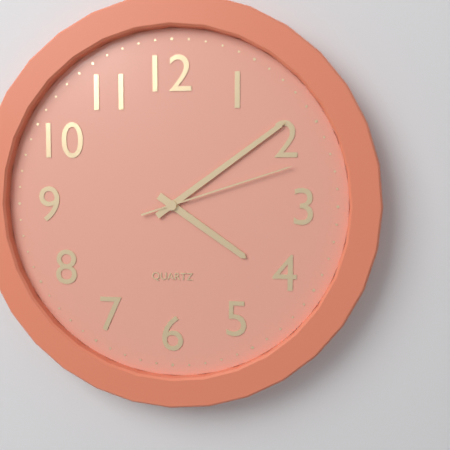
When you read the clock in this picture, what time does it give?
4:09:12
